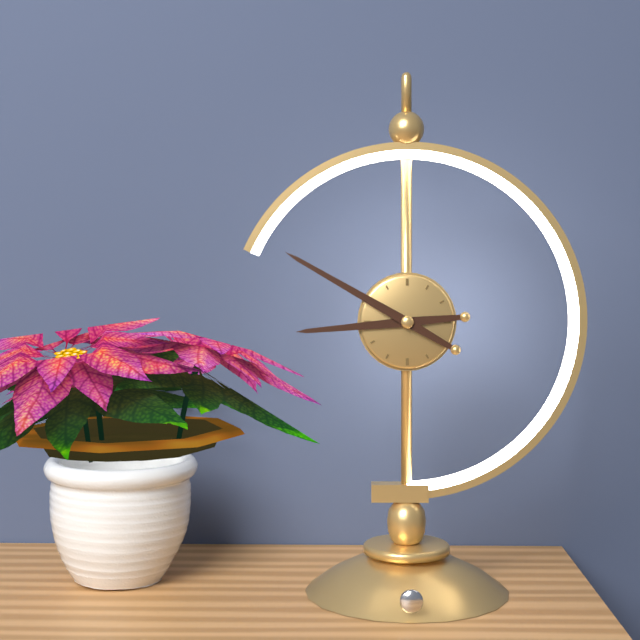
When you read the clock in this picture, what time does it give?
8:50
